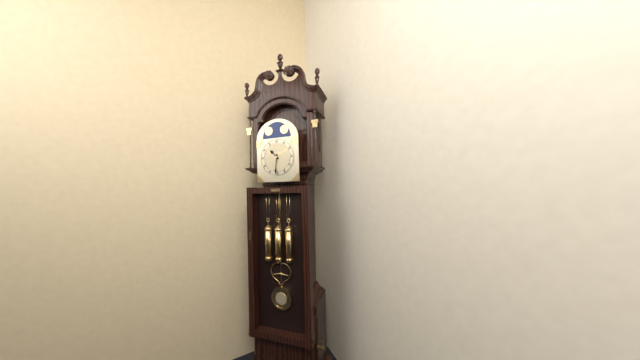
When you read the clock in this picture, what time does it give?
10:31
